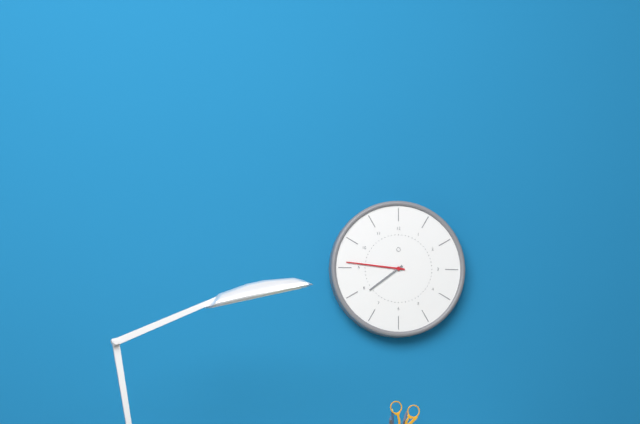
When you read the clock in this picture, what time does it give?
7:46
